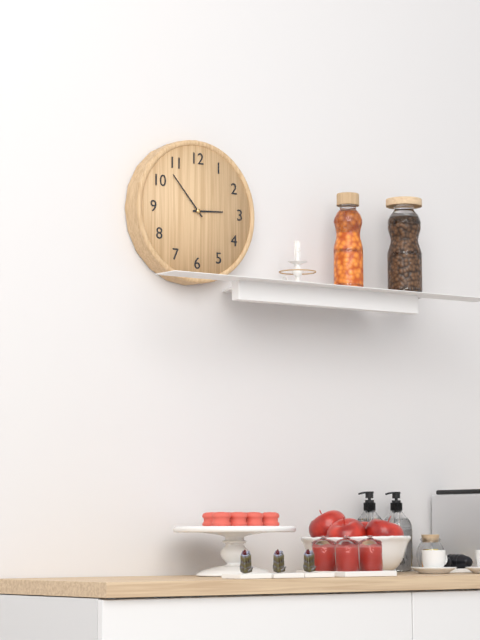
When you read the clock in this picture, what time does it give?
2:53
